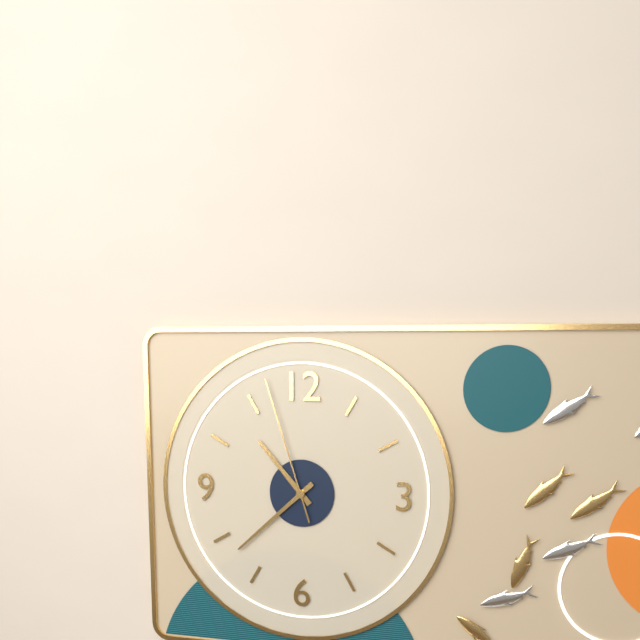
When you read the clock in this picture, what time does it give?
10:38:57
